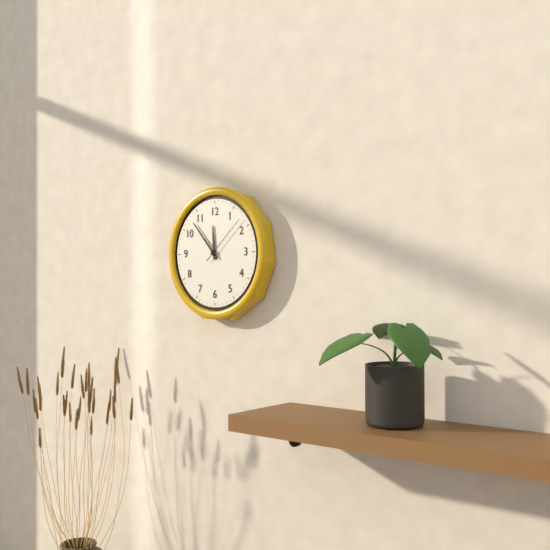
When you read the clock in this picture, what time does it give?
11:53:08
